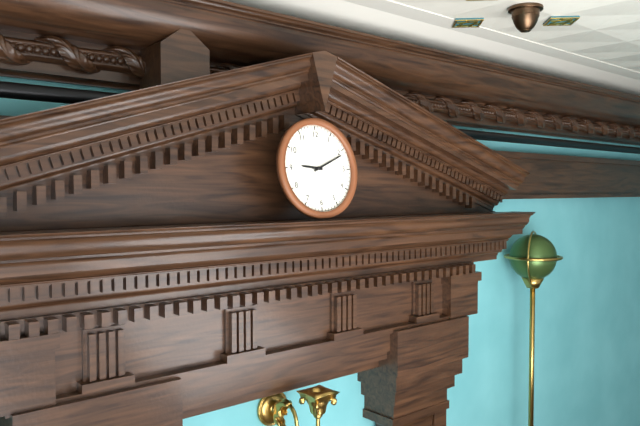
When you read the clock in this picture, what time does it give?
9:11
